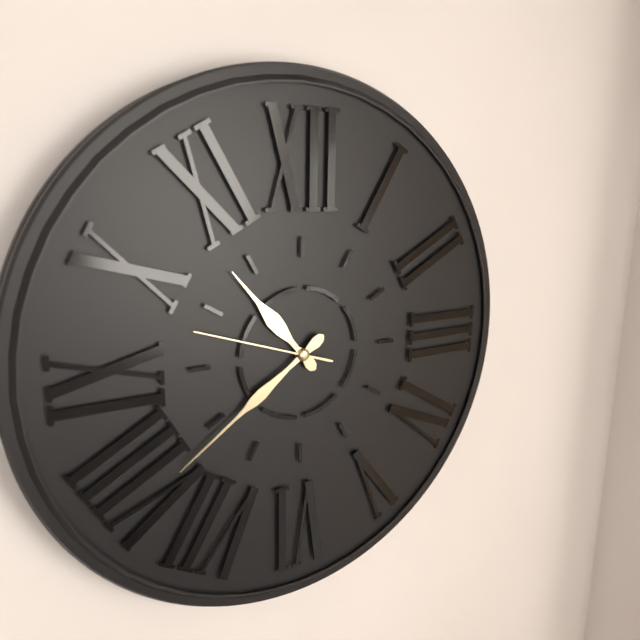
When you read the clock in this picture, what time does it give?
10:39:48
